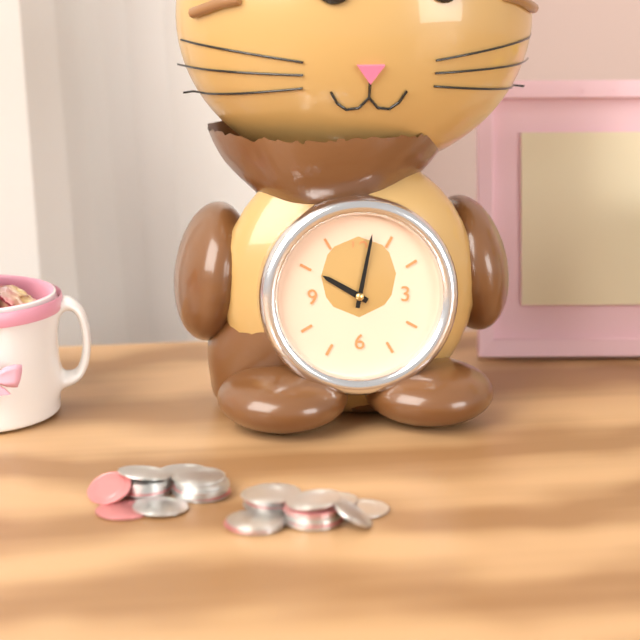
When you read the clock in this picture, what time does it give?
10:02
